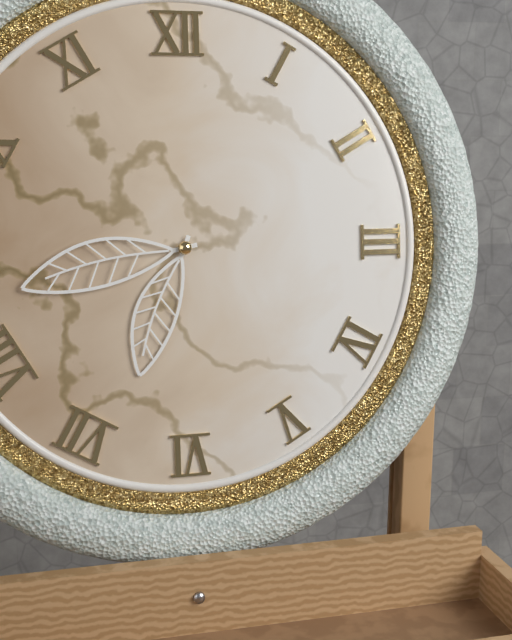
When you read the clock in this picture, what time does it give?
6:43
